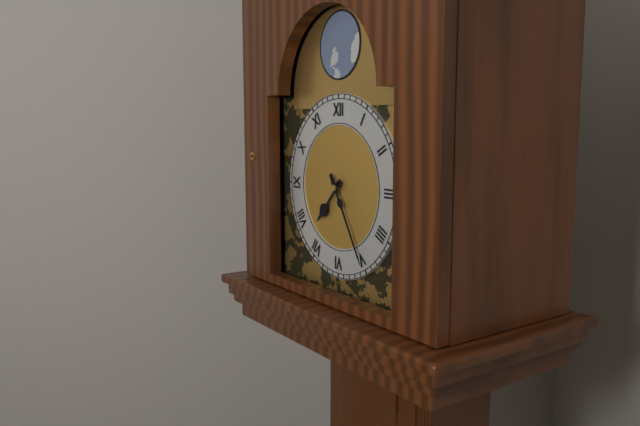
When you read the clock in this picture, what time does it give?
7:25
